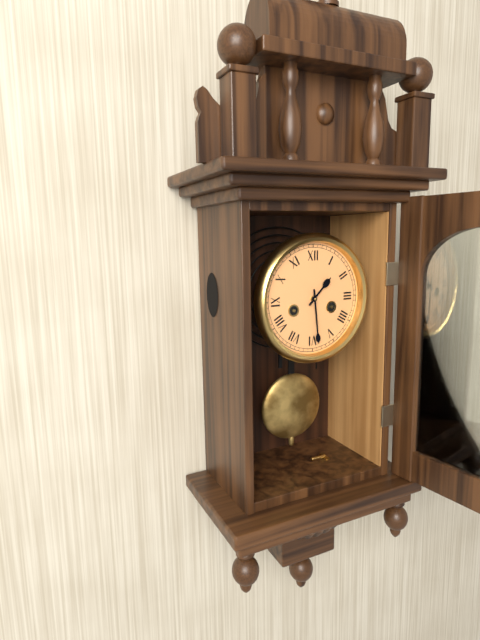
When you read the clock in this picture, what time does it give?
1:29
